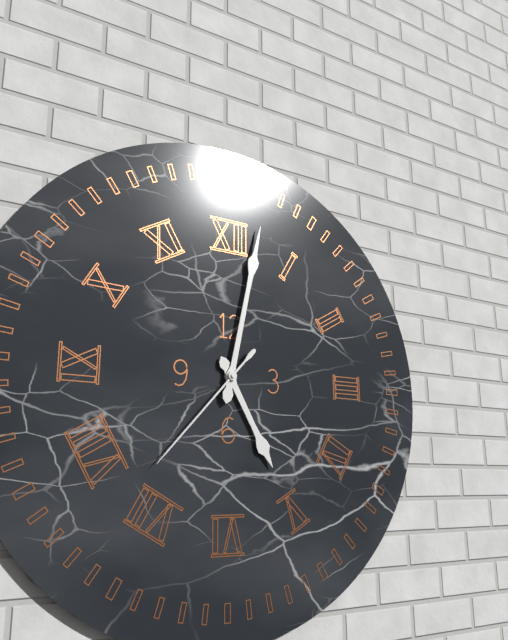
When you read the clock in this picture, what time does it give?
5:02:37
